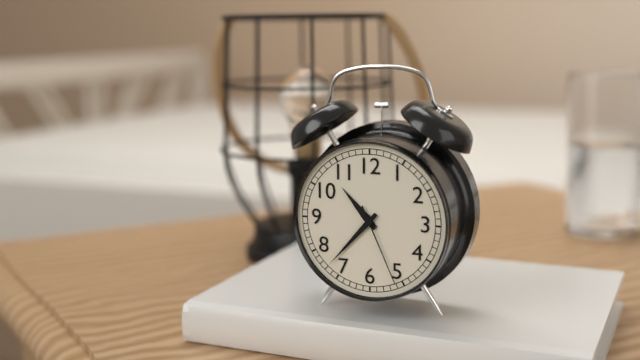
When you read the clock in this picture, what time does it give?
10:37:26
